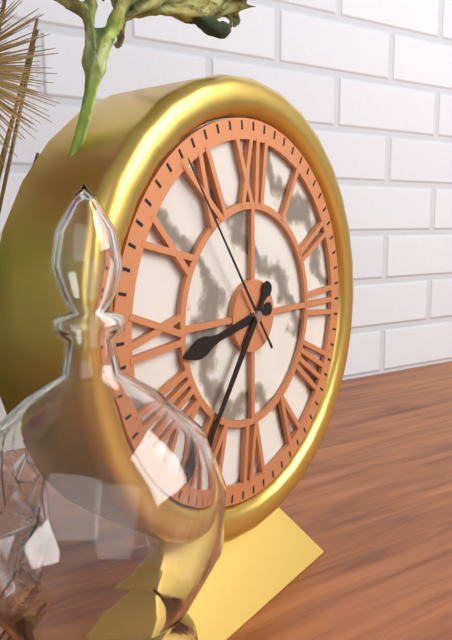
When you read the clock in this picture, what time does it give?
8:36:54
